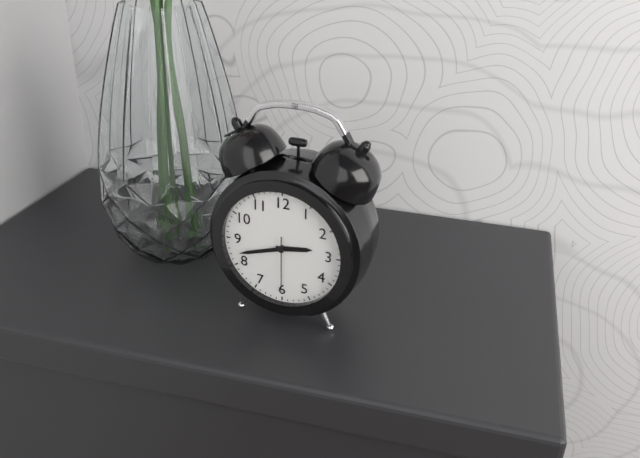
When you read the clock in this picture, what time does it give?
2:42:30
